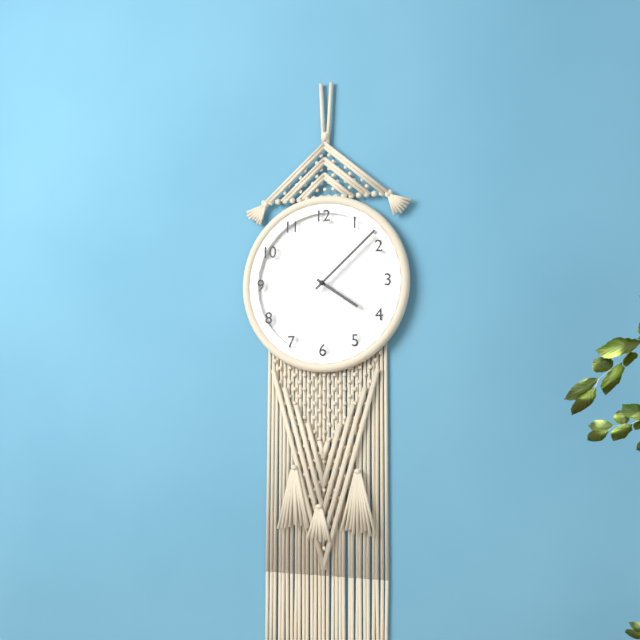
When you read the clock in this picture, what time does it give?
4:08
